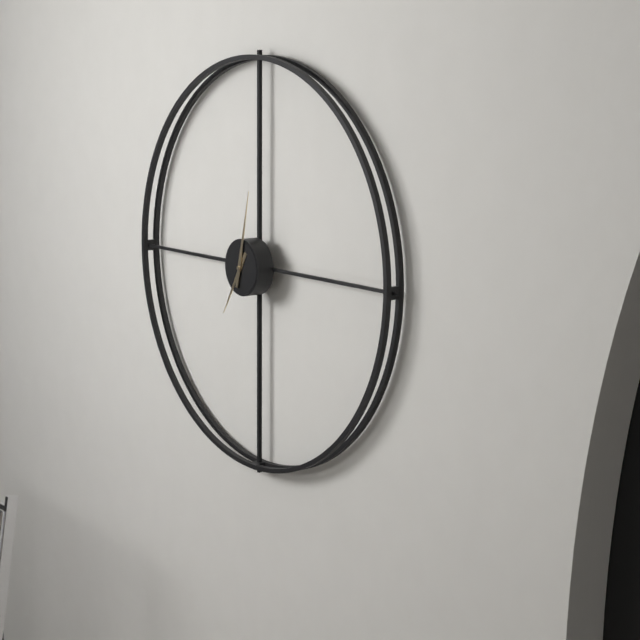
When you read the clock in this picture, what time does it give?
7:02
